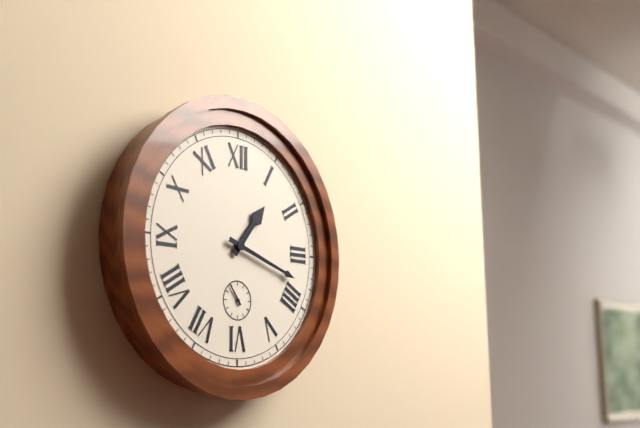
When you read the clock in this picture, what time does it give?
1:18
